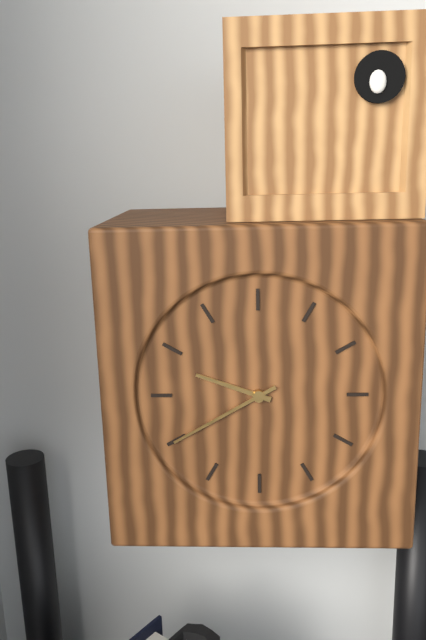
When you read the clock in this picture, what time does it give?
9:40
